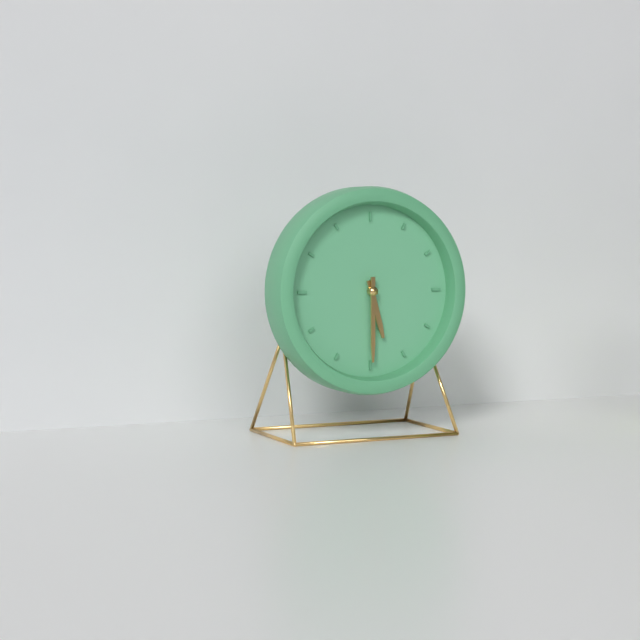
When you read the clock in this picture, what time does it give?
5:30
